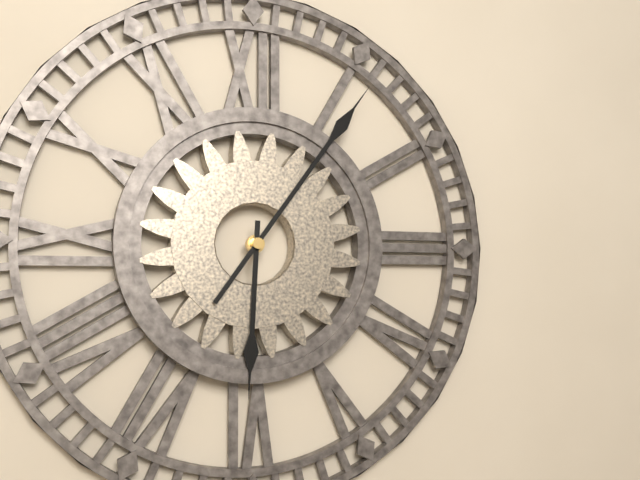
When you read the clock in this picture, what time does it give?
6:06
